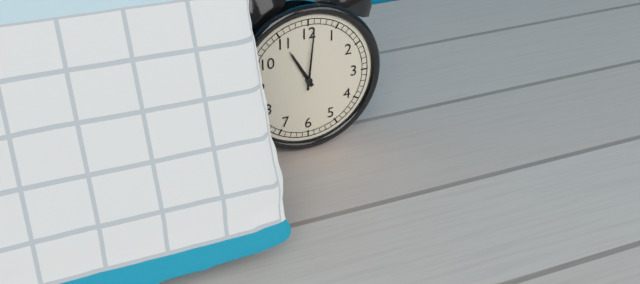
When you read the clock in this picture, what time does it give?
11:01
